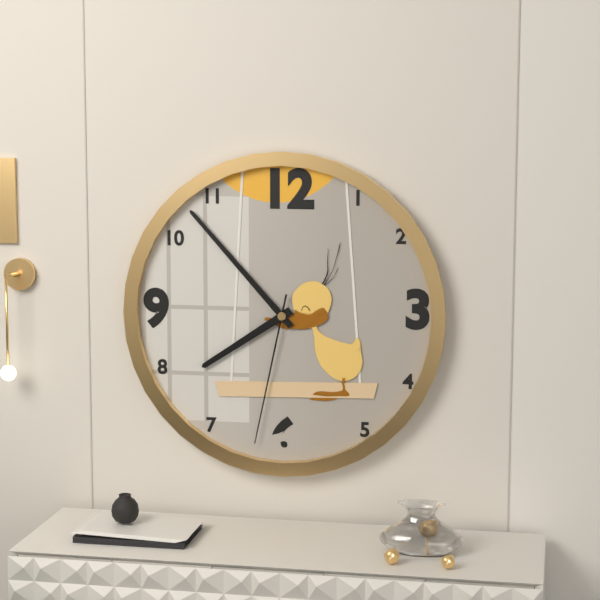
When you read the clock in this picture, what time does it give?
7:53:32
